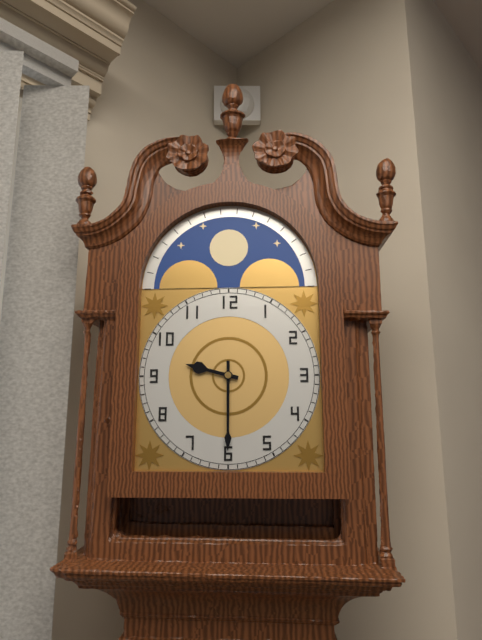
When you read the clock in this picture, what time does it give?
9:30
